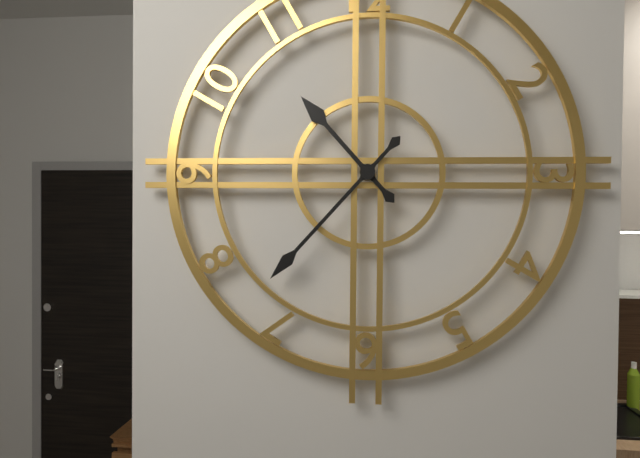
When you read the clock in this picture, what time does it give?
10:37
